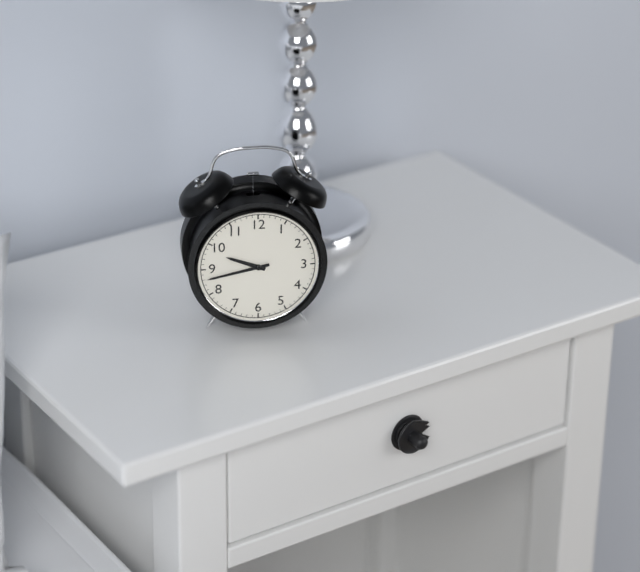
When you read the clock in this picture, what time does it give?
9:43
